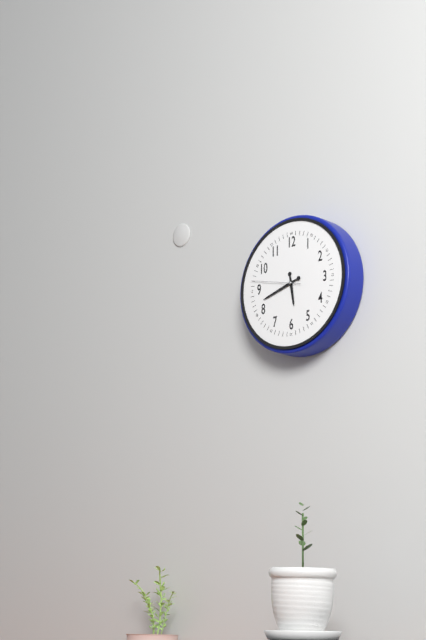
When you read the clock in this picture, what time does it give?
5:42:47
